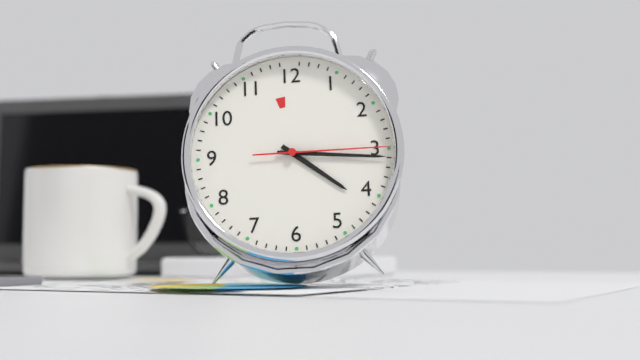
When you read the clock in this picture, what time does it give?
4:16:15
